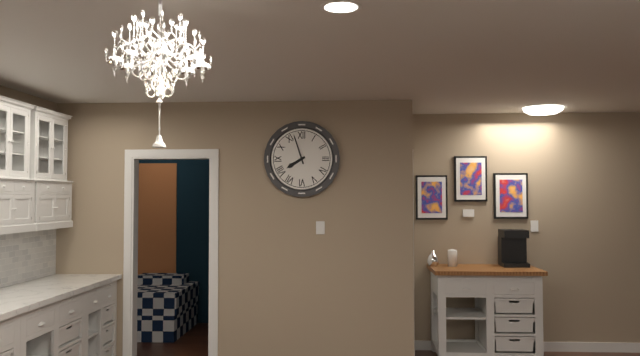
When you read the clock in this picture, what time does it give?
7:57
